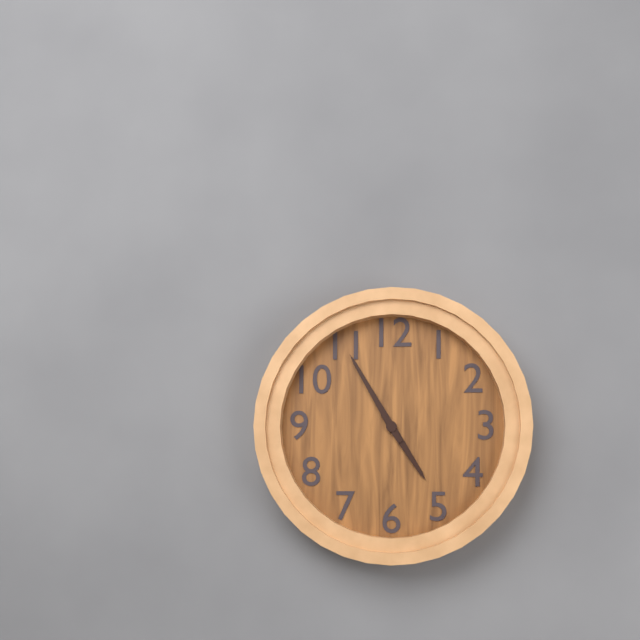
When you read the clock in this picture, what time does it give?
4:55
